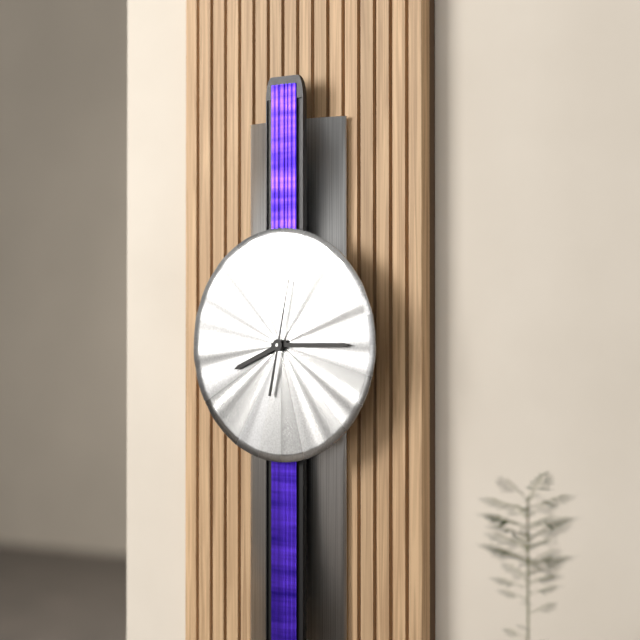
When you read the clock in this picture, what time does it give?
8:15:02
